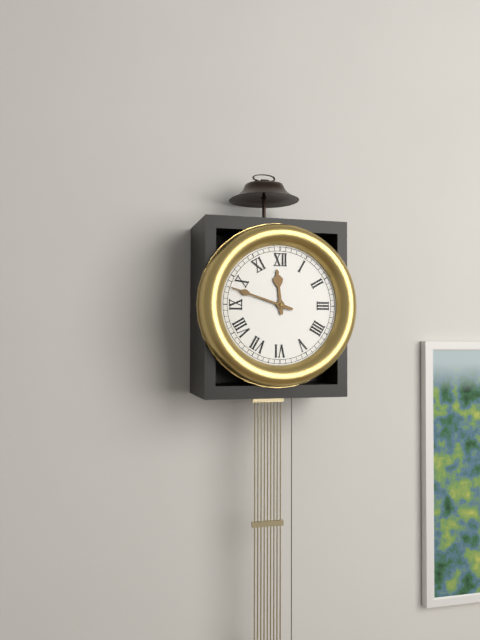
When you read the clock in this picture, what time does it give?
11:48
